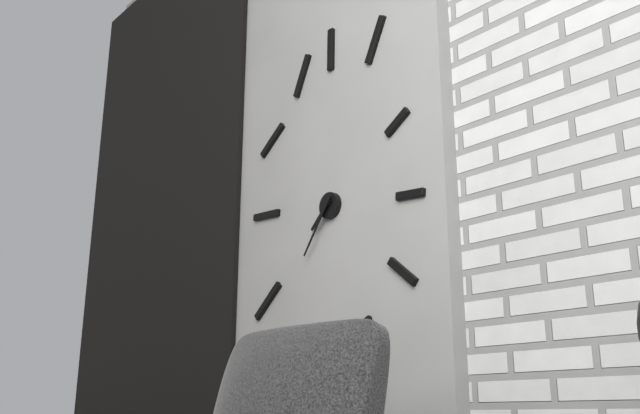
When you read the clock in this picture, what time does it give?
7:36
